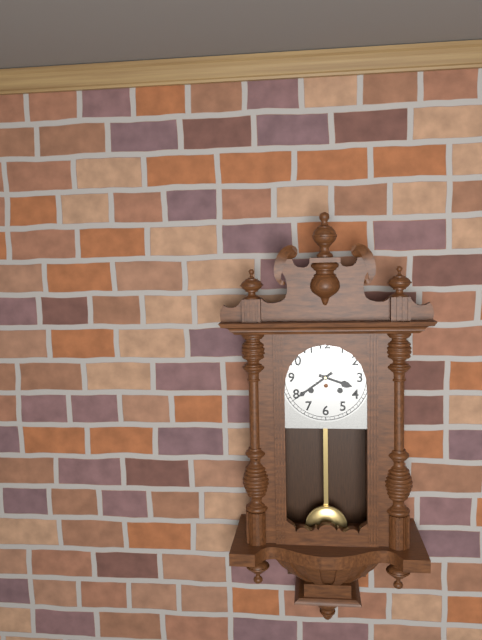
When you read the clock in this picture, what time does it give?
3:39
